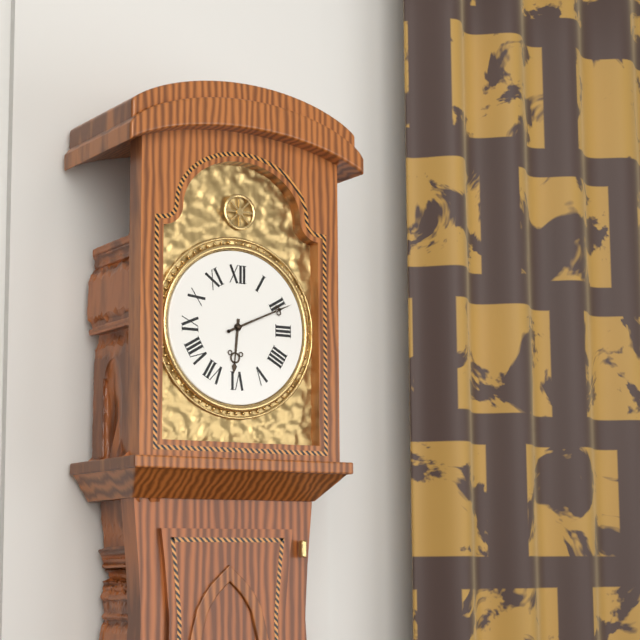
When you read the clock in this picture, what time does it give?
6:11
